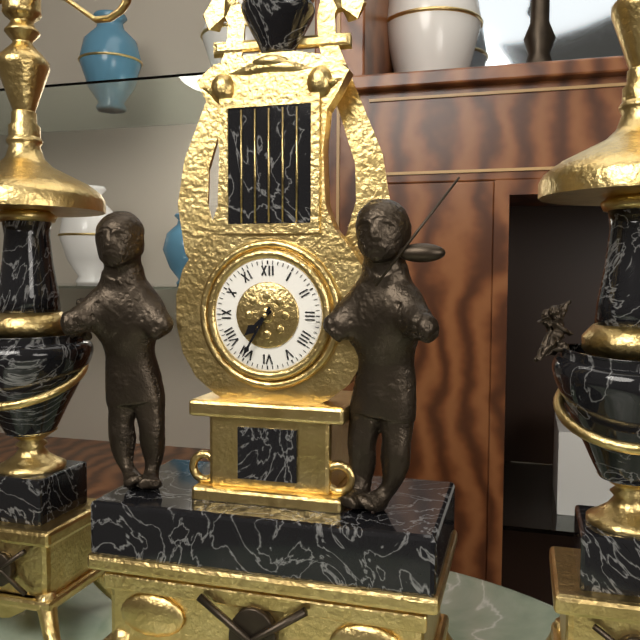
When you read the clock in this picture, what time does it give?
7:35
